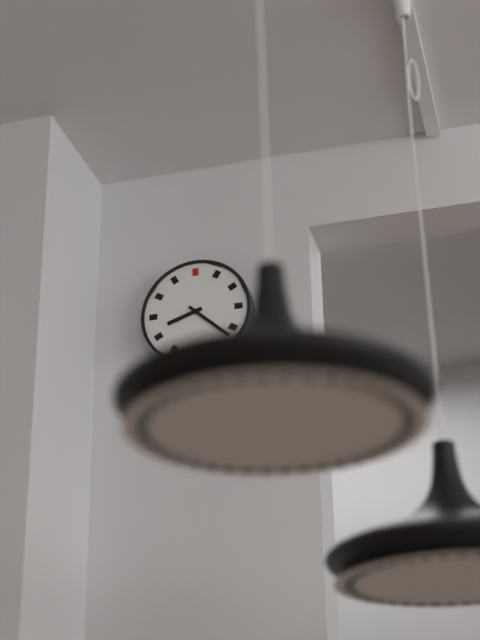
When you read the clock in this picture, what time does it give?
8:22
